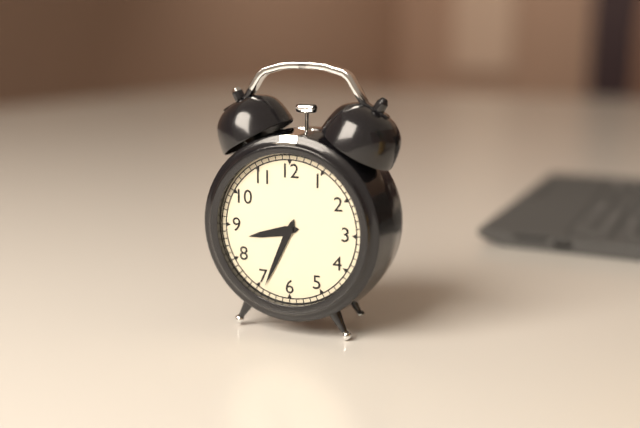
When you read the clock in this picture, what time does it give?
8:34
